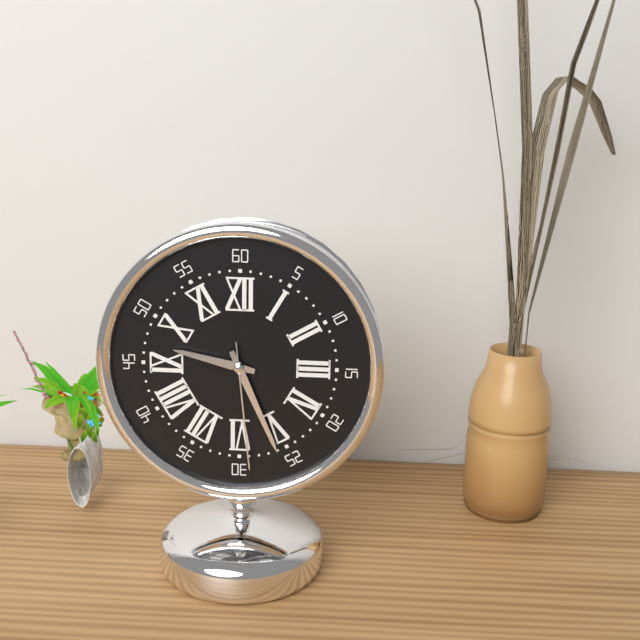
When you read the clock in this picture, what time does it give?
9:26:29
